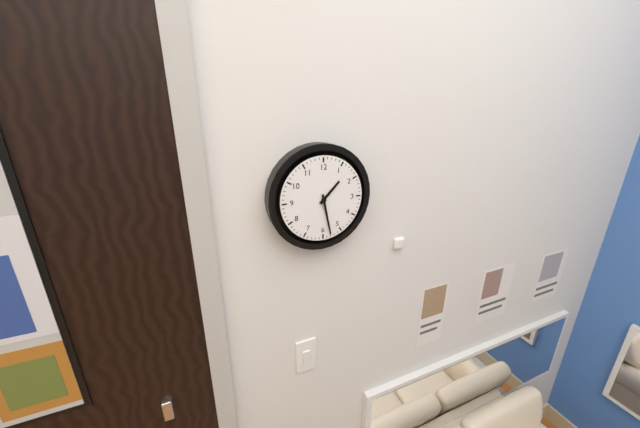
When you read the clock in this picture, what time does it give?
1:28
